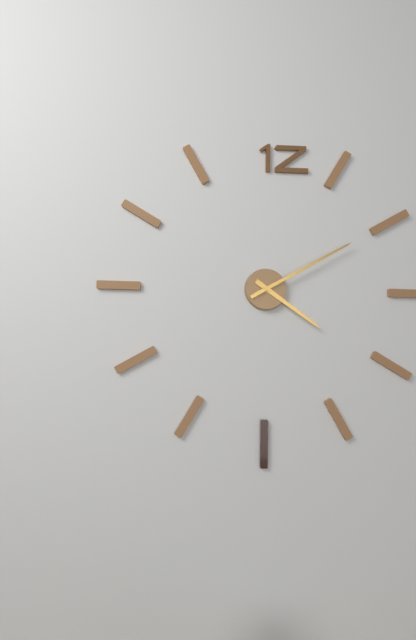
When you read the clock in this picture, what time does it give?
4:10
